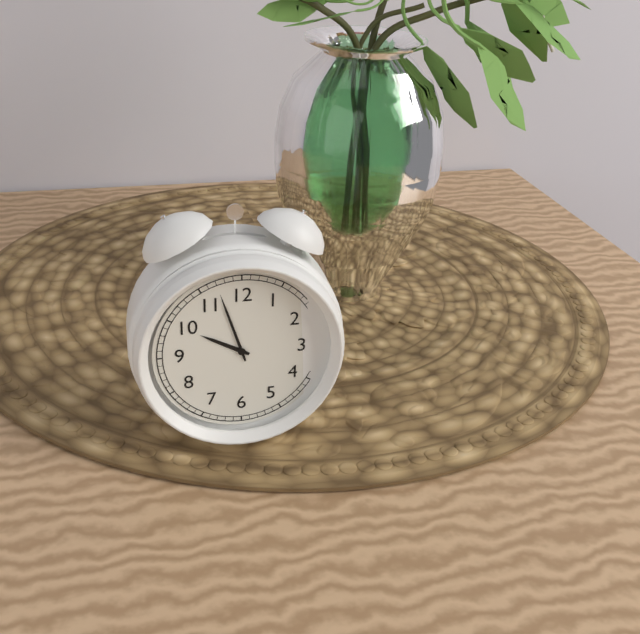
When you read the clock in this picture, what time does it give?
9:57
